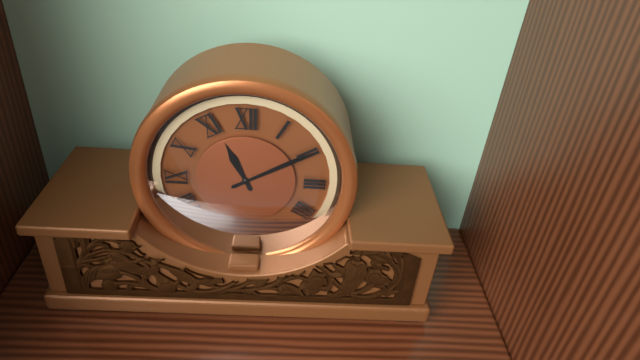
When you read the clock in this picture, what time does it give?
11:10
